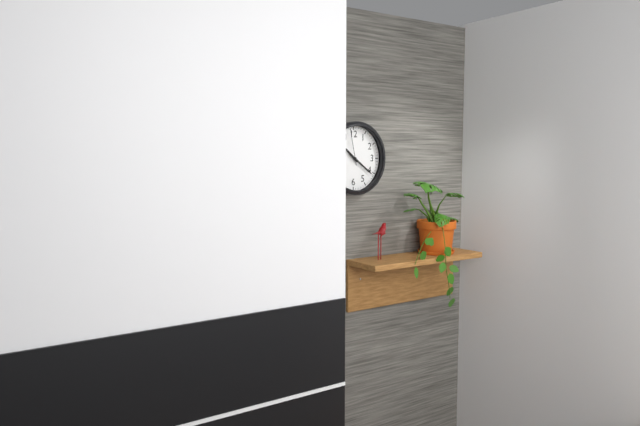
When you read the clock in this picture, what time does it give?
10:21
